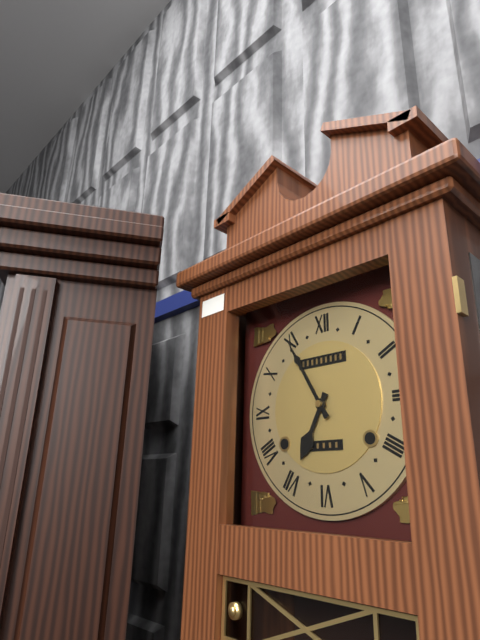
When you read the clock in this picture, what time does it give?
6:55
